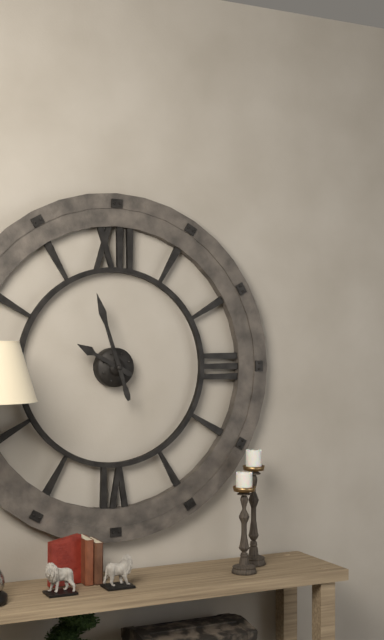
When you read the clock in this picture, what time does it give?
9:57
